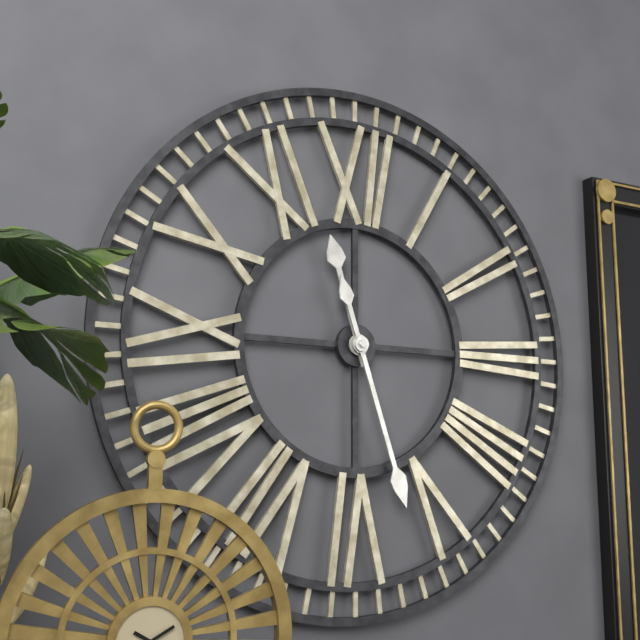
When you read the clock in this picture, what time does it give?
11:27
